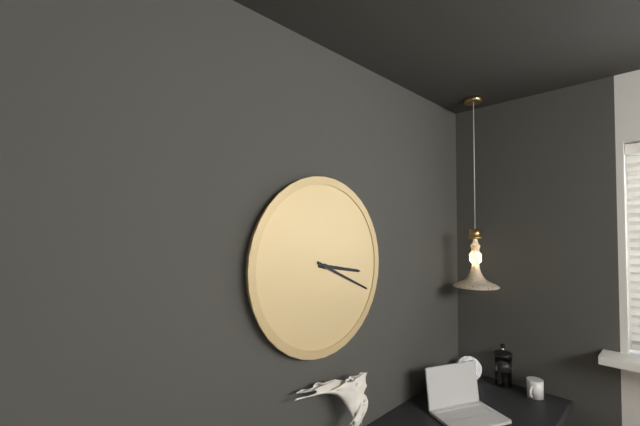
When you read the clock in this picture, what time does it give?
3:19
